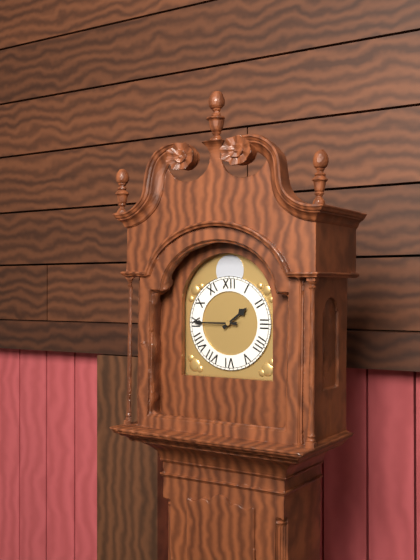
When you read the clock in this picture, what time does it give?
1:45
